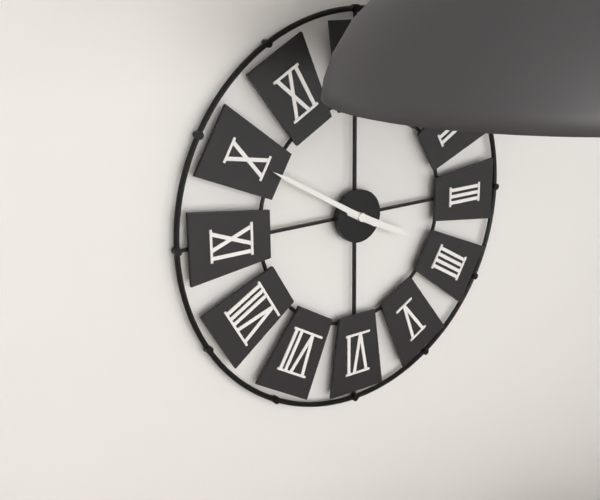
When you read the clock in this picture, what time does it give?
3:50
